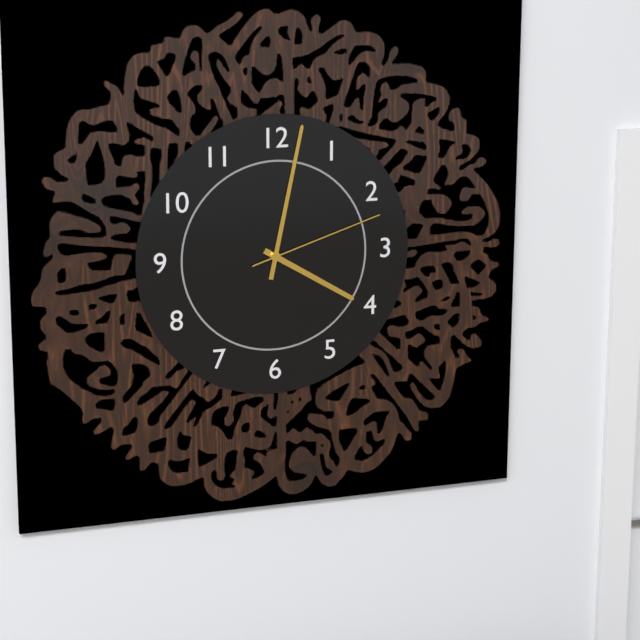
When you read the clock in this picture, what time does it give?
4:02:12
